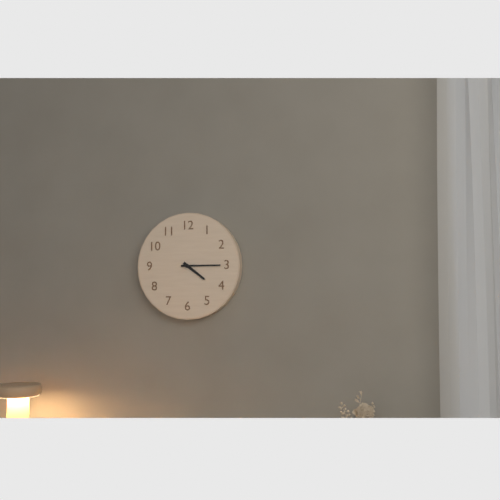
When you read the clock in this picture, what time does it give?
4:15
